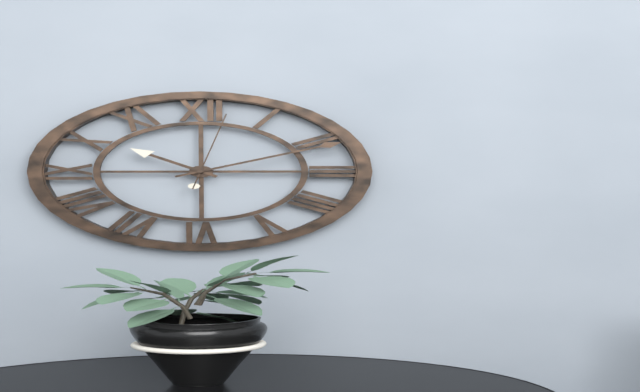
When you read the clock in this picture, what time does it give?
10:11:02
